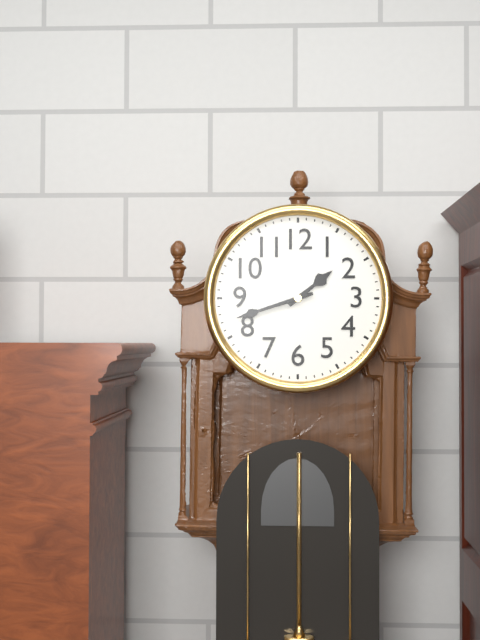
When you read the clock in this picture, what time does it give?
1:42
